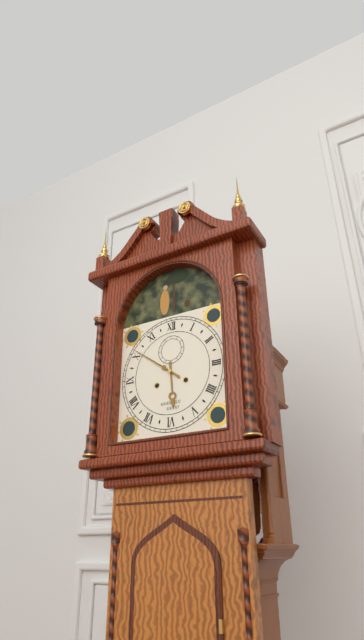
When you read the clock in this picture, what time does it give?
5:51
